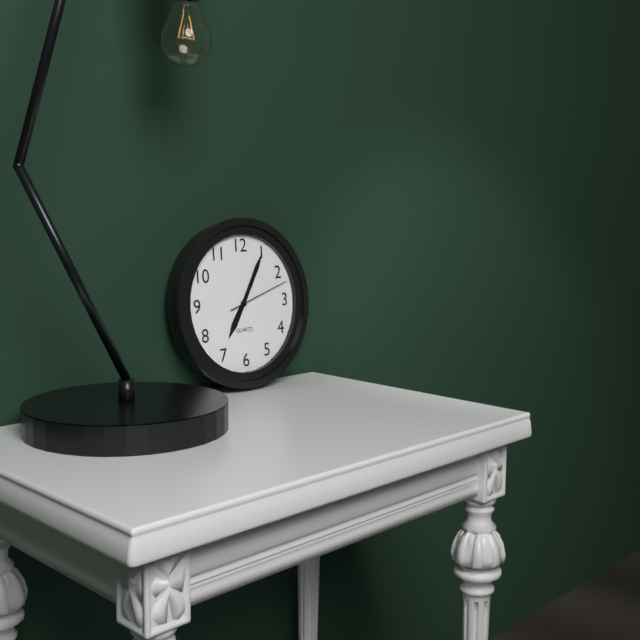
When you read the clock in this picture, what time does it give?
7:05:12
